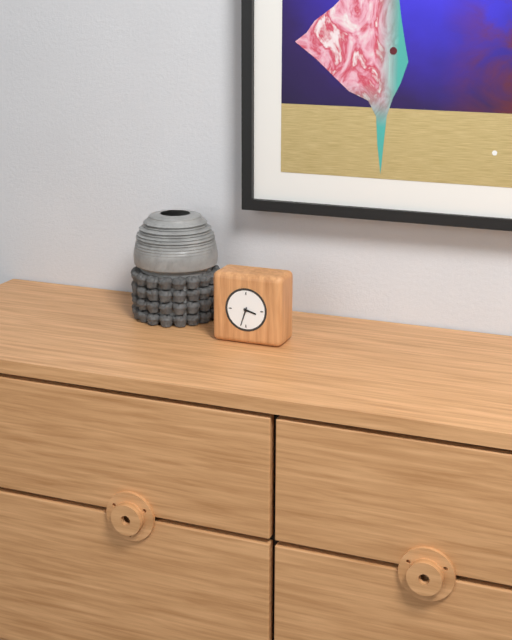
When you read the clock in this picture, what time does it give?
3:33
